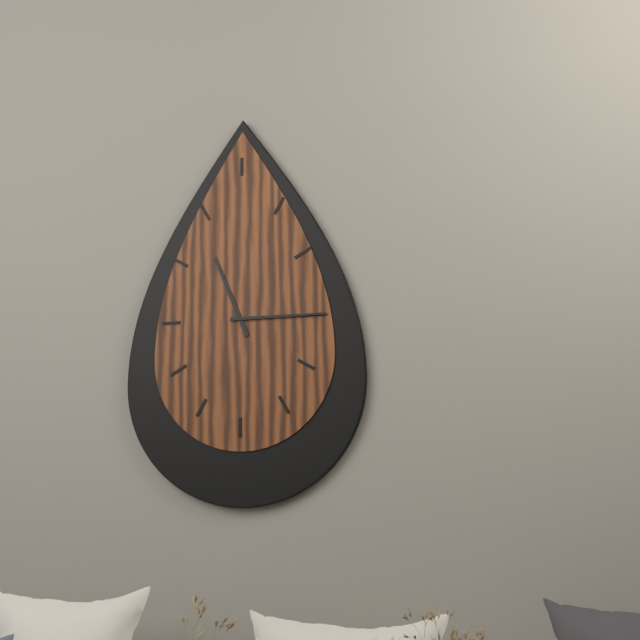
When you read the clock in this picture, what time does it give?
11:15
